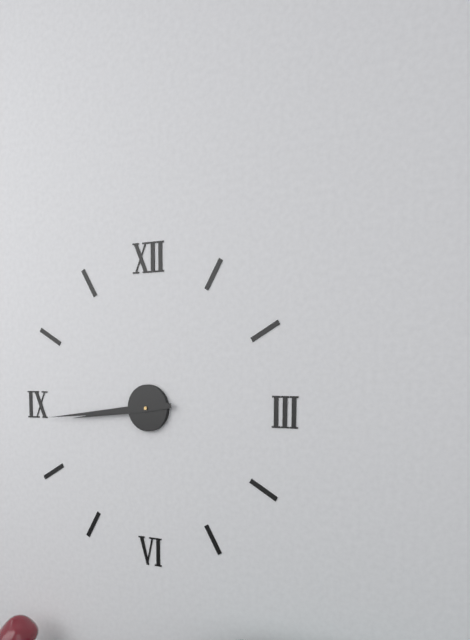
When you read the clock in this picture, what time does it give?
8:44
